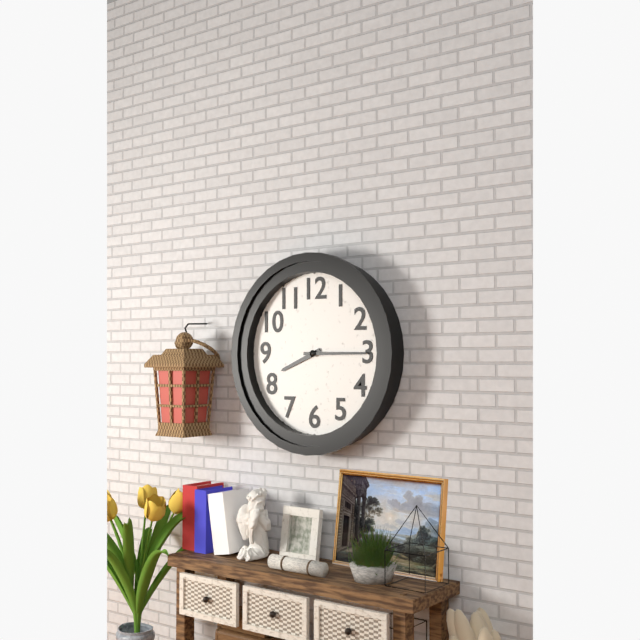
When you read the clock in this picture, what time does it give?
8:15
